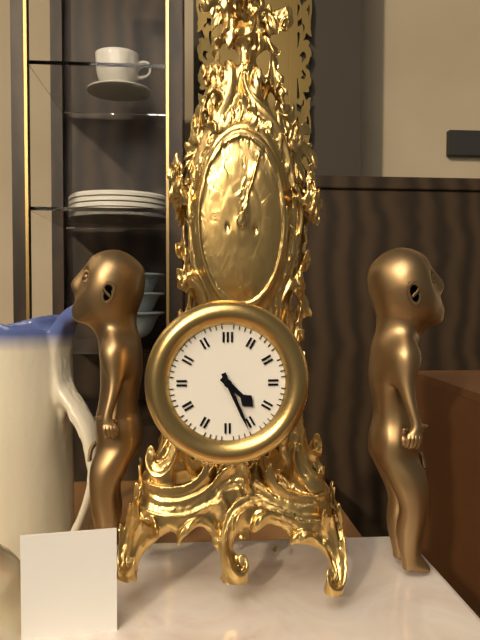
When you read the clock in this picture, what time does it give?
4:26
